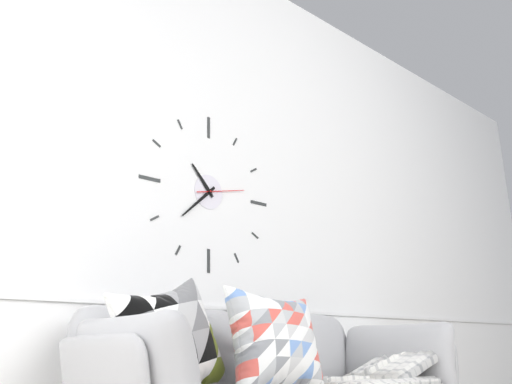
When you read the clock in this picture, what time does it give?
10:38
